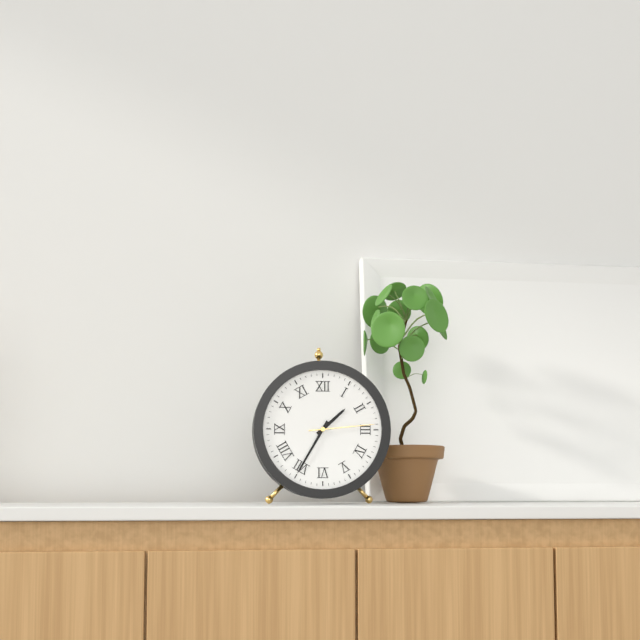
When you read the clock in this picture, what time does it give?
1:35:14
